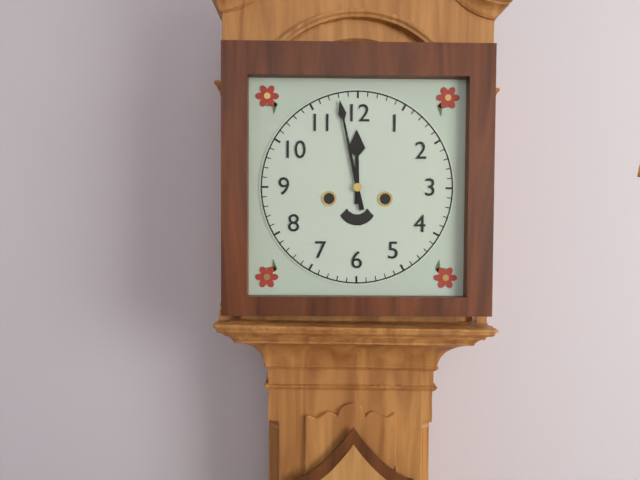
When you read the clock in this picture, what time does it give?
11:58
